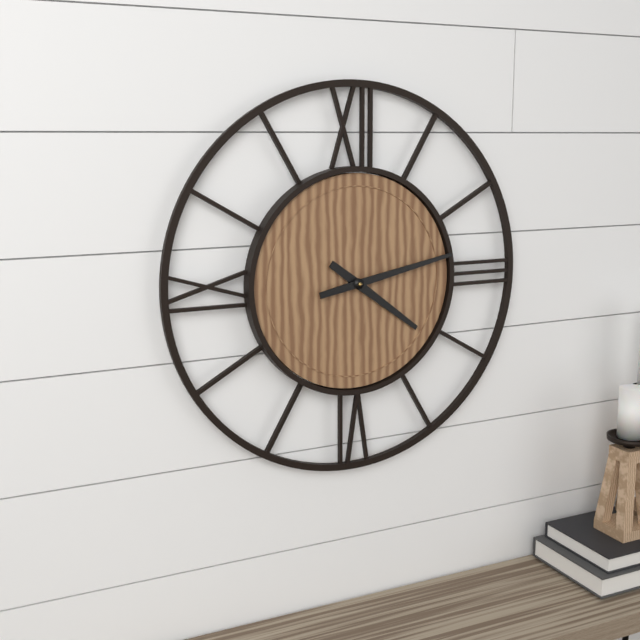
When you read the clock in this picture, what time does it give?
4:13
